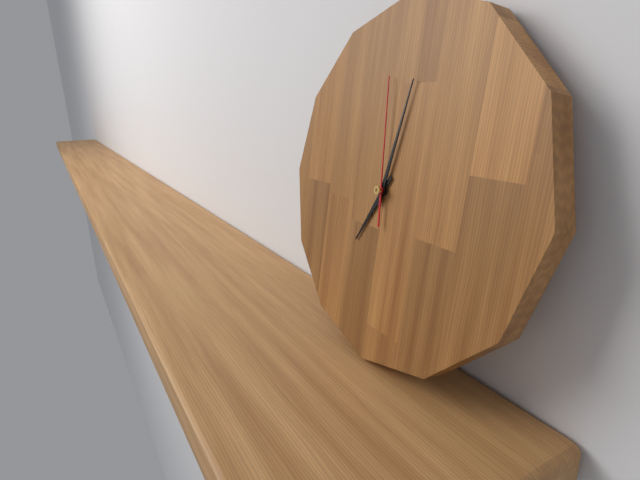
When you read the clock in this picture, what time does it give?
7:02:59
